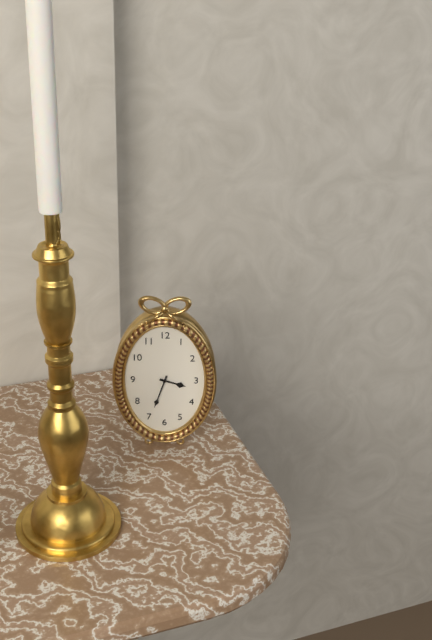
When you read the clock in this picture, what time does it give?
3:33
